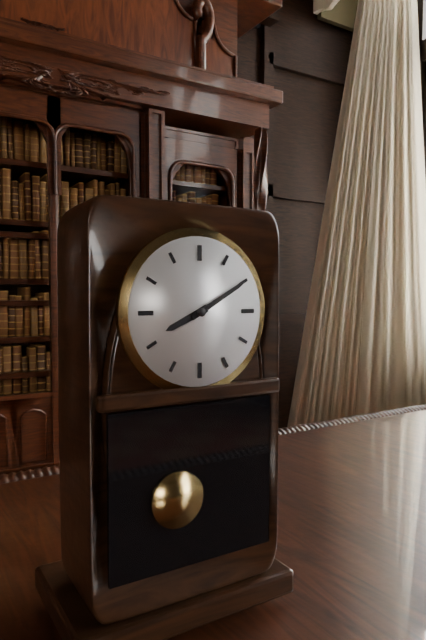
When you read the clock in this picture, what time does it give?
8:10
